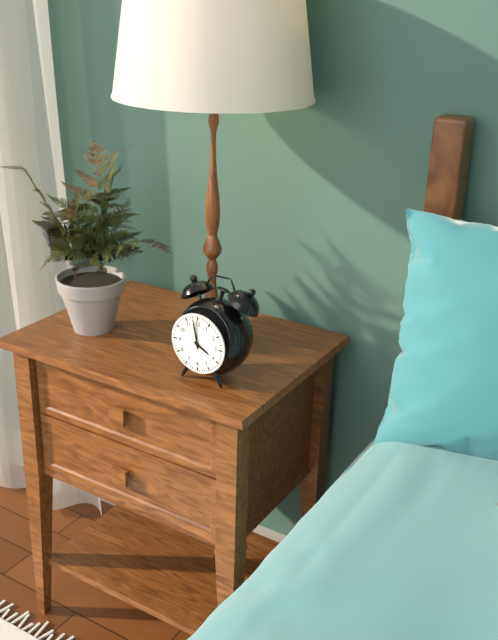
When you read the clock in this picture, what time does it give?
3:58
